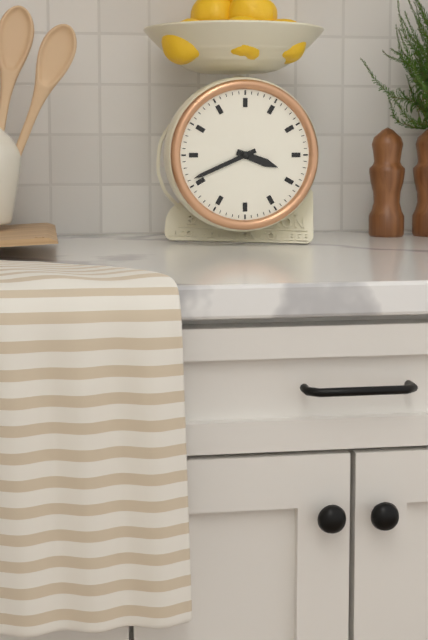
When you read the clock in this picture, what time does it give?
3:41
